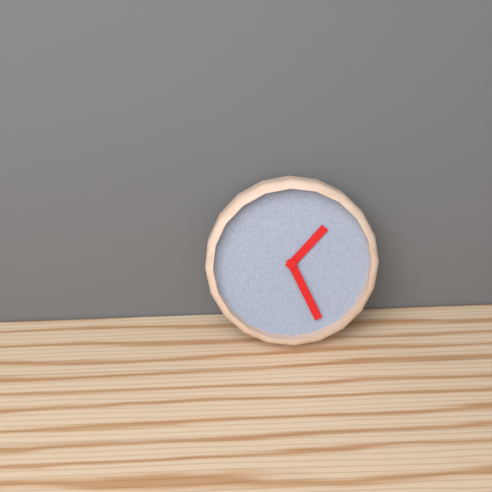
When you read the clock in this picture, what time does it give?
1:26
